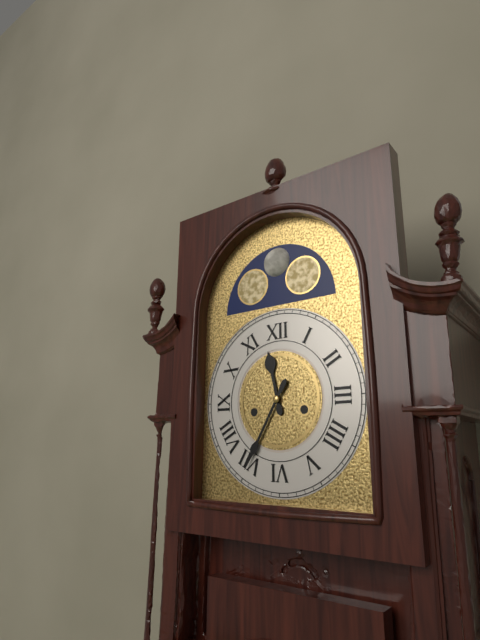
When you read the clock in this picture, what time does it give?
11:35
